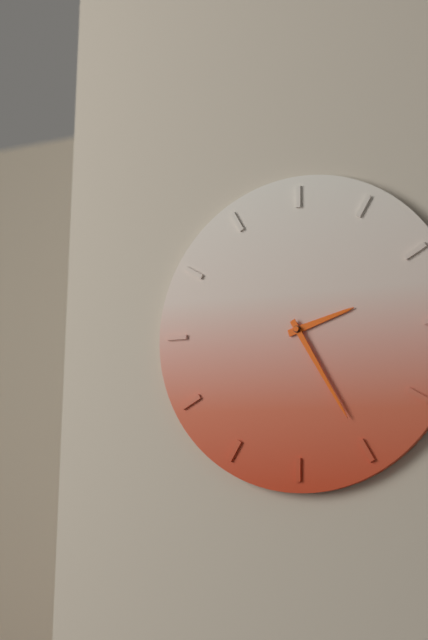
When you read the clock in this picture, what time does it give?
2:25
